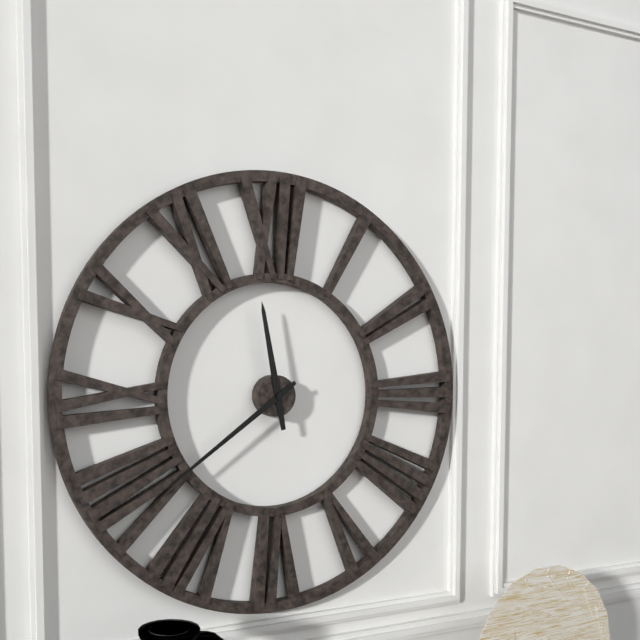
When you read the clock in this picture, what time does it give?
11:39
